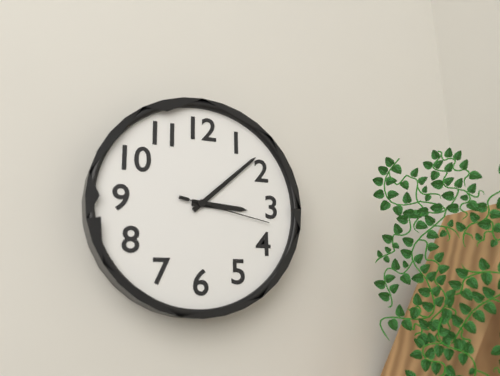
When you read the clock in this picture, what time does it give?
3:08:17
